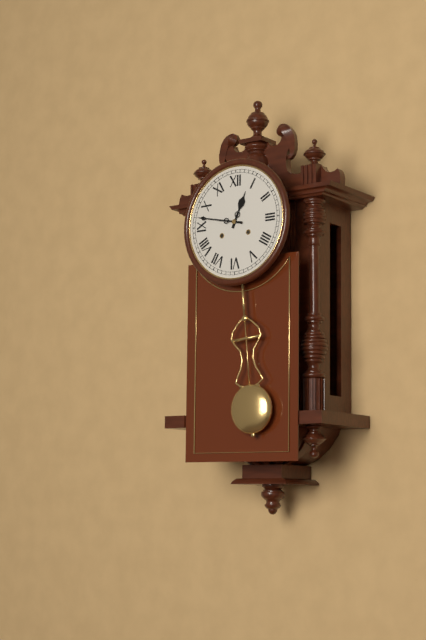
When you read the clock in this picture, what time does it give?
12:47
